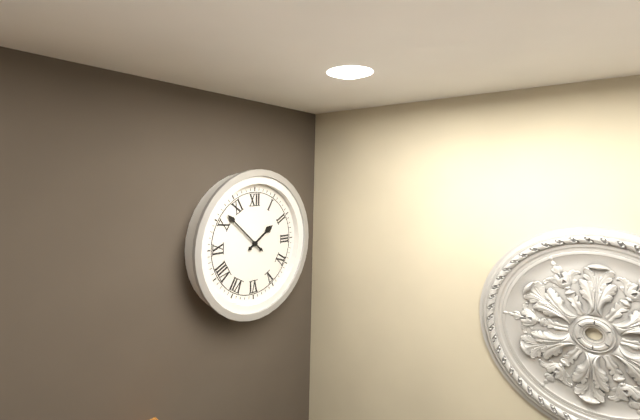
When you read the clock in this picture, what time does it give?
1:52
